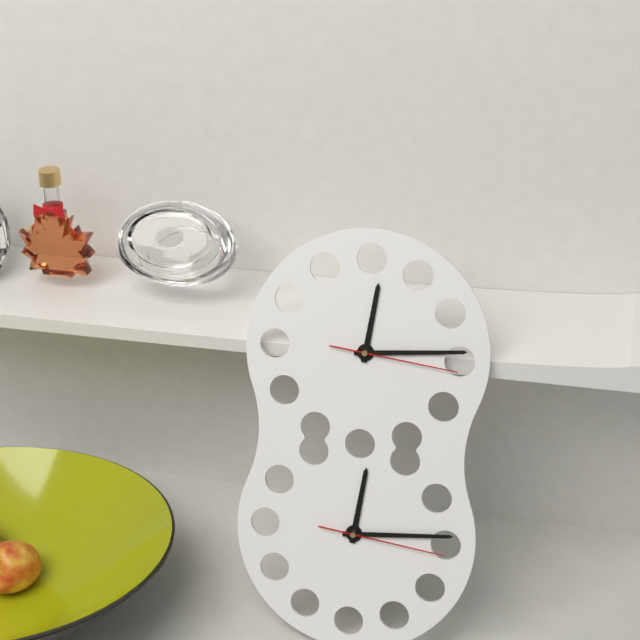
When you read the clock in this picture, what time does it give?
12:14:16
